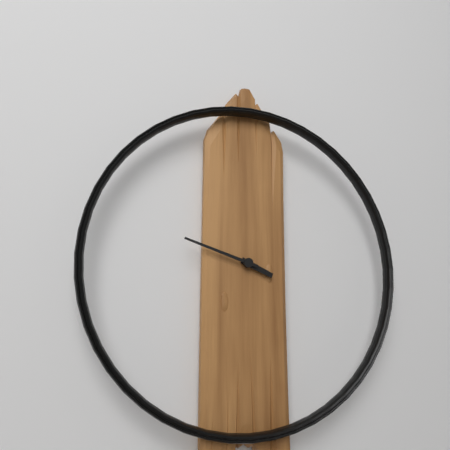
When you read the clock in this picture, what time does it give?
3:48
